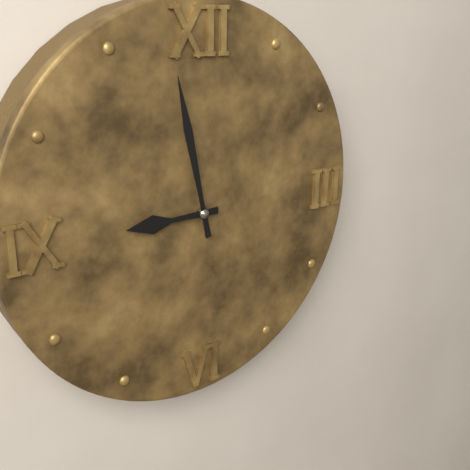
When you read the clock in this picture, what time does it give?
8:58
